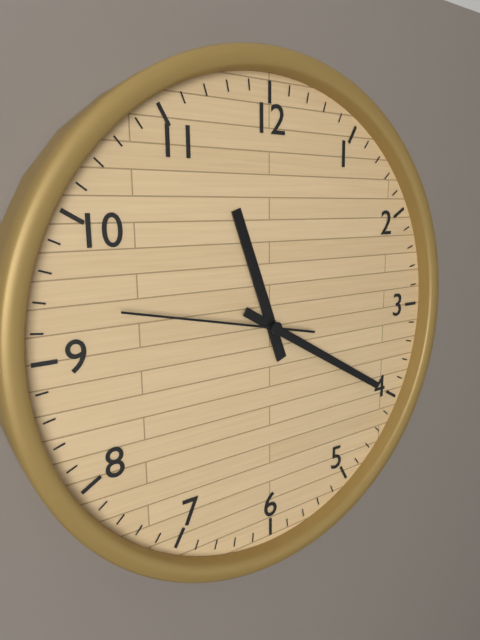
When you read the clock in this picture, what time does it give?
11:20:47
